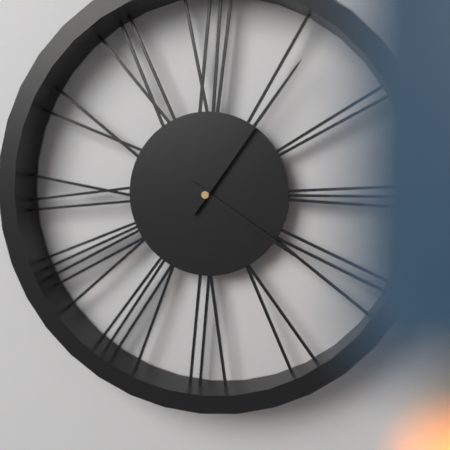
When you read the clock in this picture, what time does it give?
4:06
